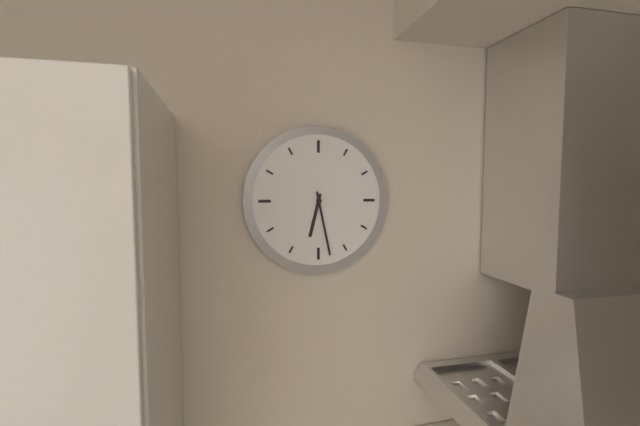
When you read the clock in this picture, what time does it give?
6:28
